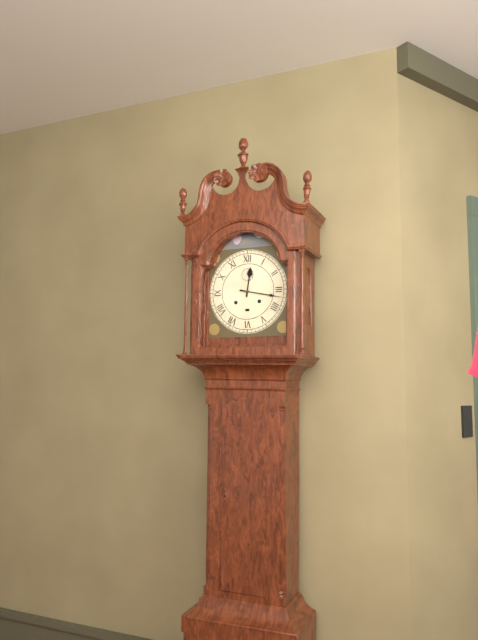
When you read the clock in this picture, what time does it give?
12:17
